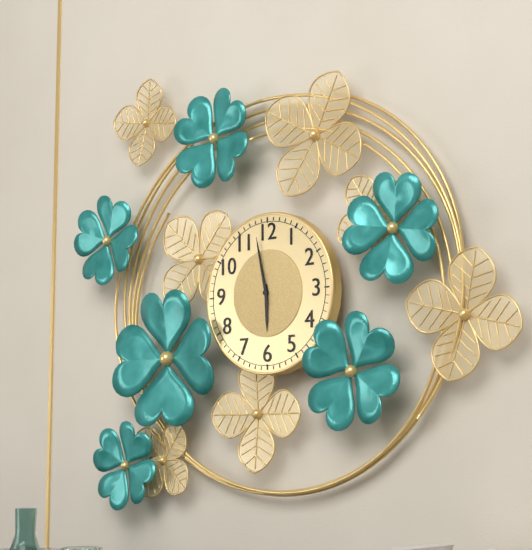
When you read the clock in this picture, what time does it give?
5:58
